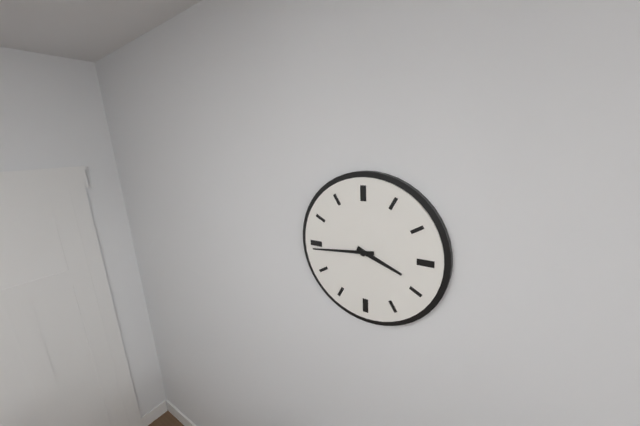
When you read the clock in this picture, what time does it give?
3:44
